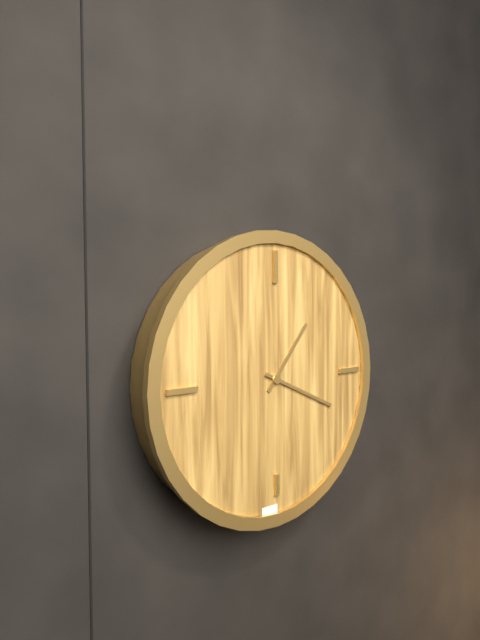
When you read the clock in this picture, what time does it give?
1:19
